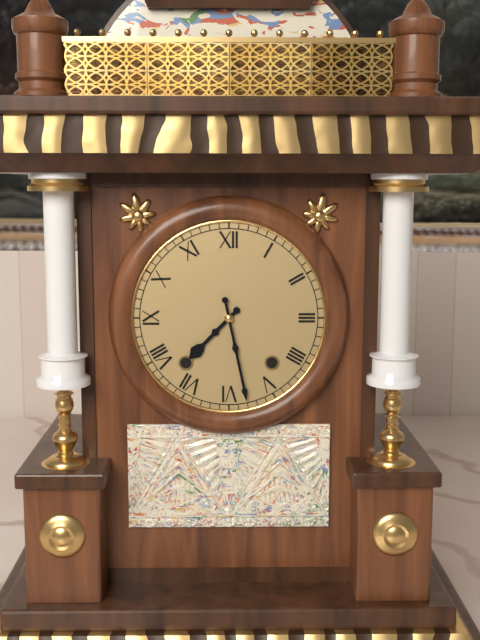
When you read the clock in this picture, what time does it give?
7:28
